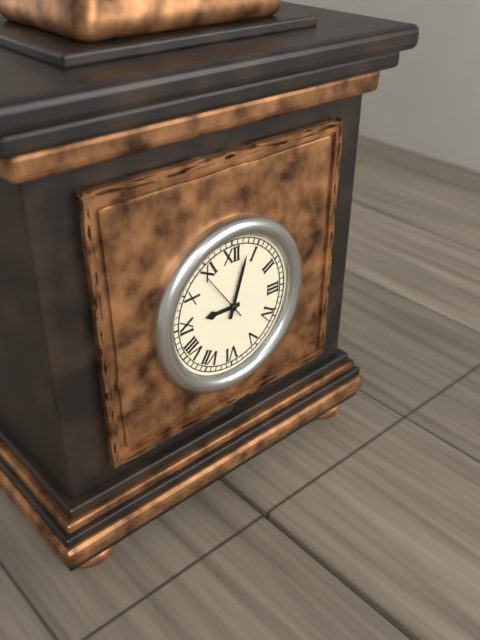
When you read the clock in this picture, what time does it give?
9:03
